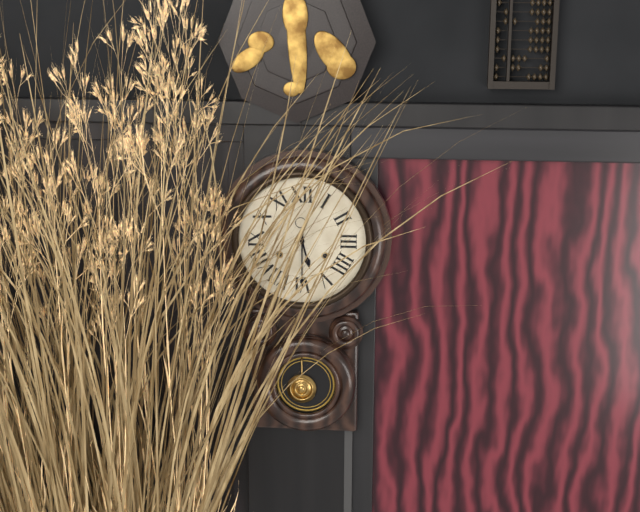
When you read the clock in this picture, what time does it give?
5:30
